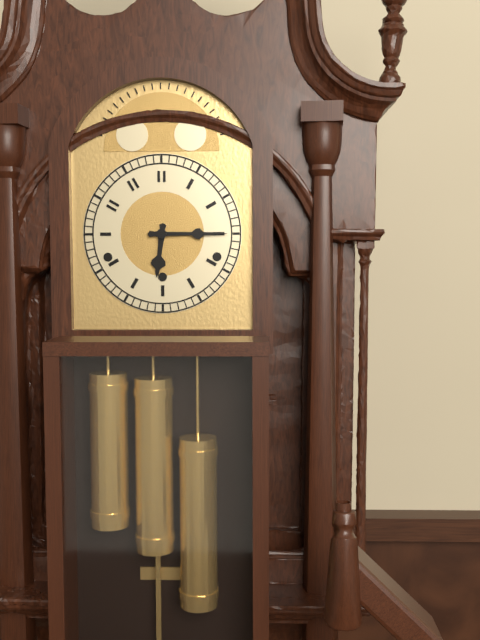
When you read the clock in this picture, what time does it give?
6:15
